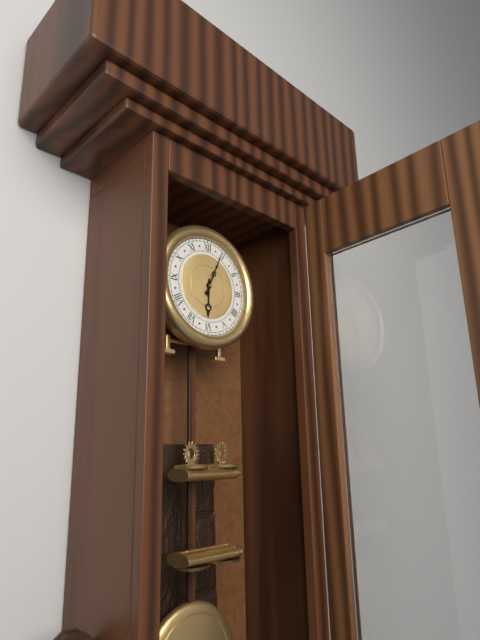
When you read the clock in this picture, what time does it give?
6:04
